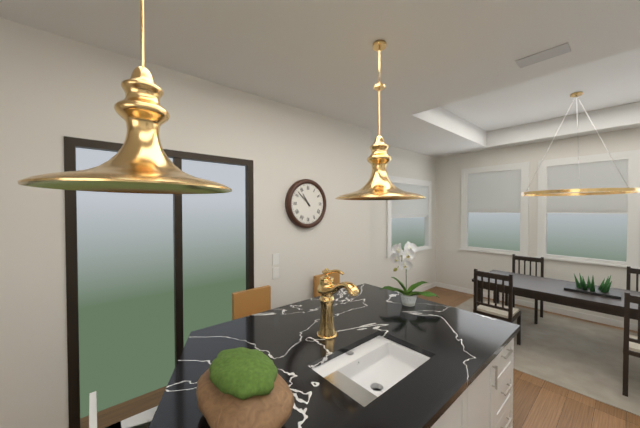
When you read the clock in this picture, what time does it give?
10:52
